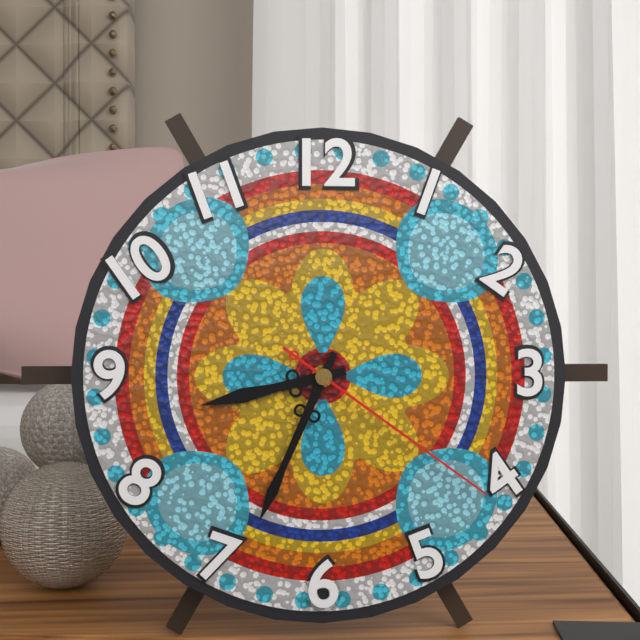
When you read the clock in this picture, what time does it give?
8:34:21
